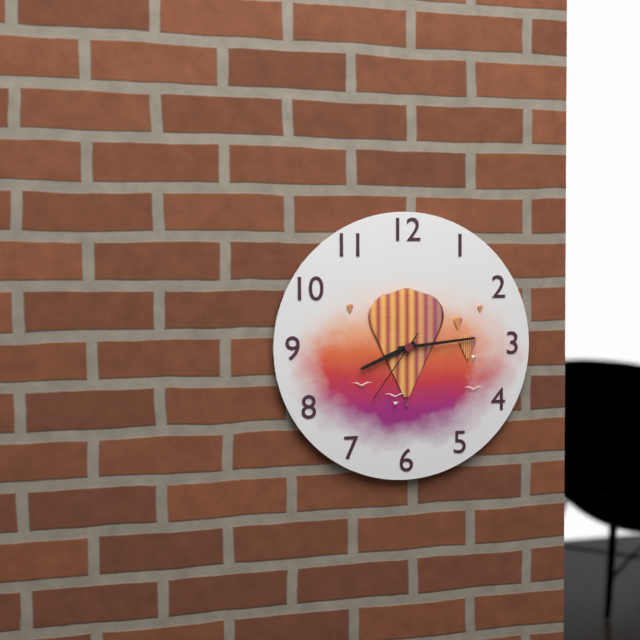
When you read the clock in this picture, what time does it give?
8:14:36
